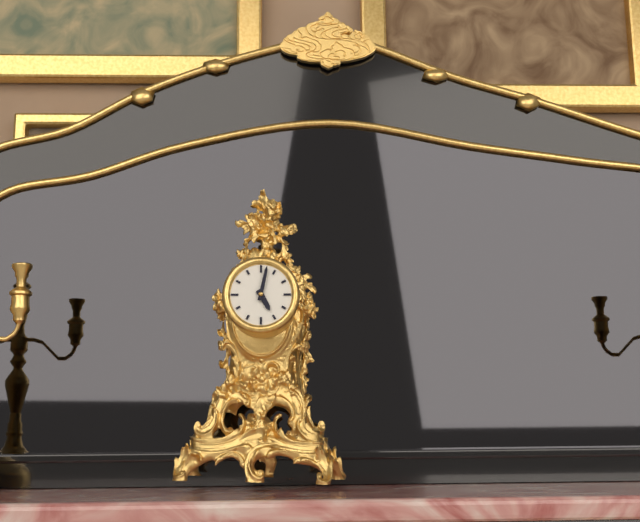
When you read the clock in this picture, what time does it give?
5:02
